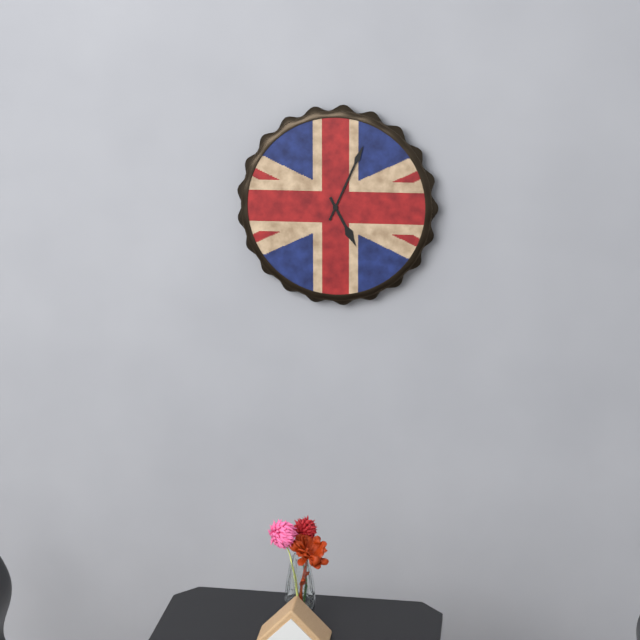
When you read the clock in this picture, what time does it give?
5:04
